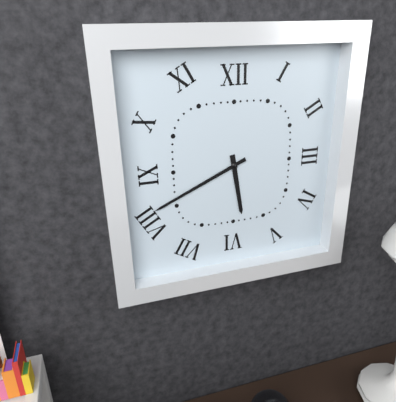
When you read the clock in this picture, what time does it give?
5:41
